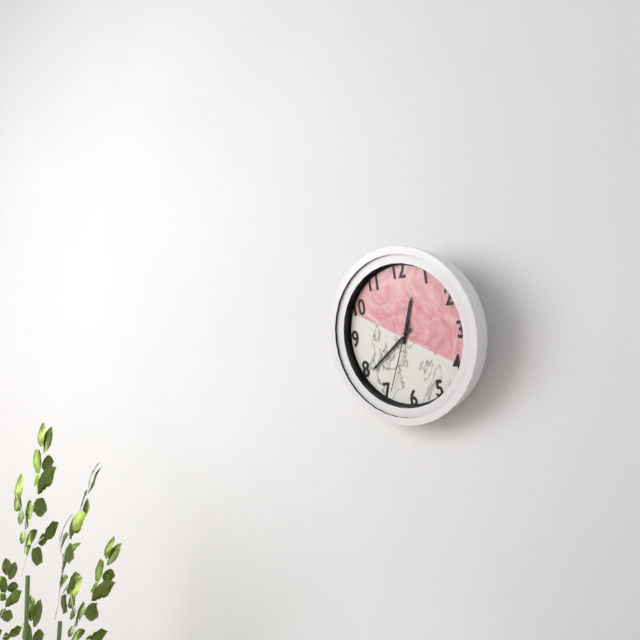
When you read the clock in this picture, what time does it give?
12:39:34
